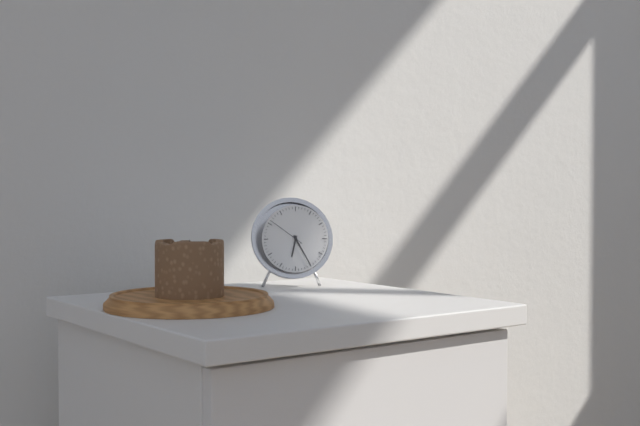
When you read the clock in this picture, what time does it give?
6:25
